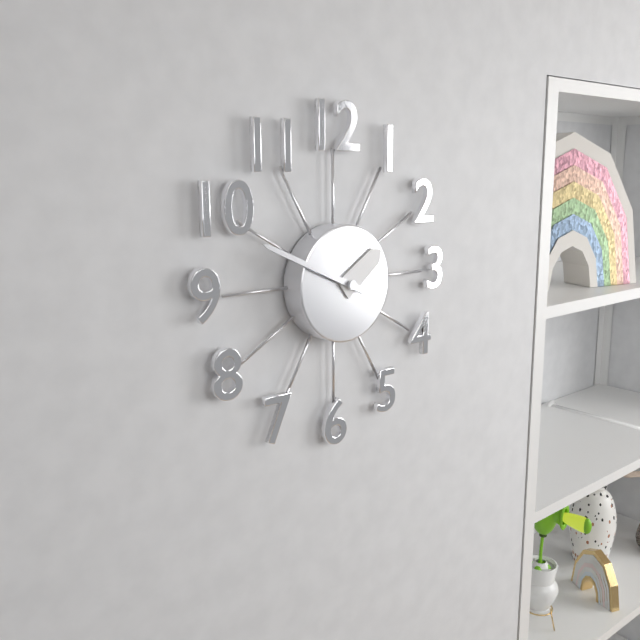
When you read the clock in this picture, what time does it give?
1:49
